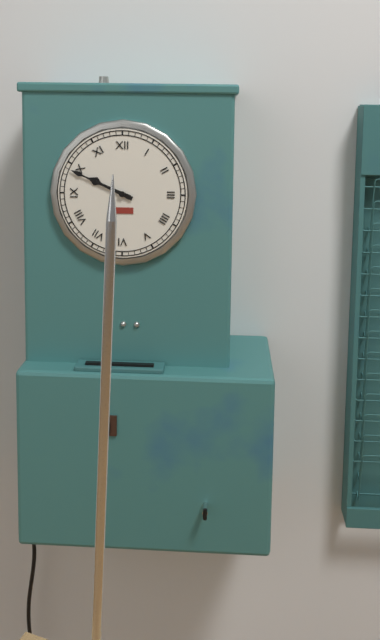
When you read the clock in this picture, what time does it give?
9:49
